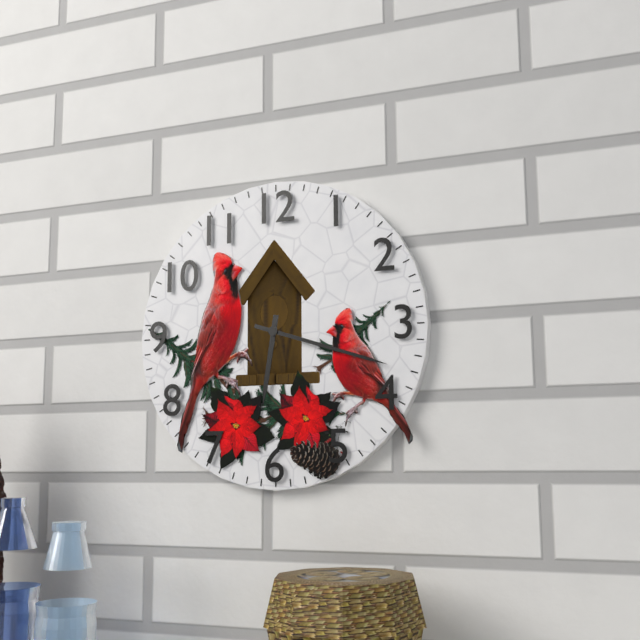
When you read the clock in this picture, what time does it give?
6:18
